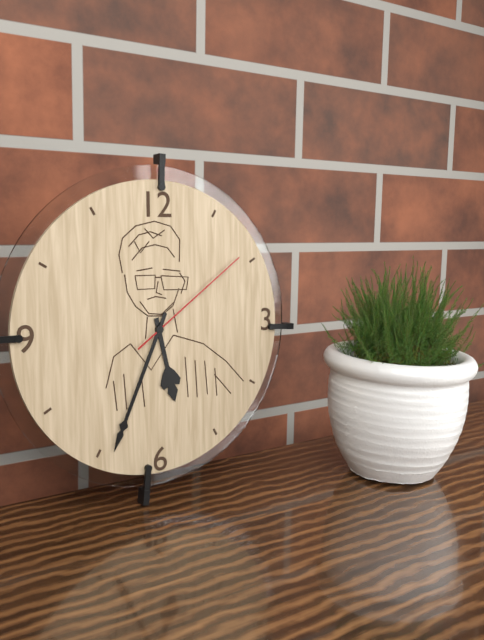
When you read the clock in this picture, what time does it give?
5:34:09
